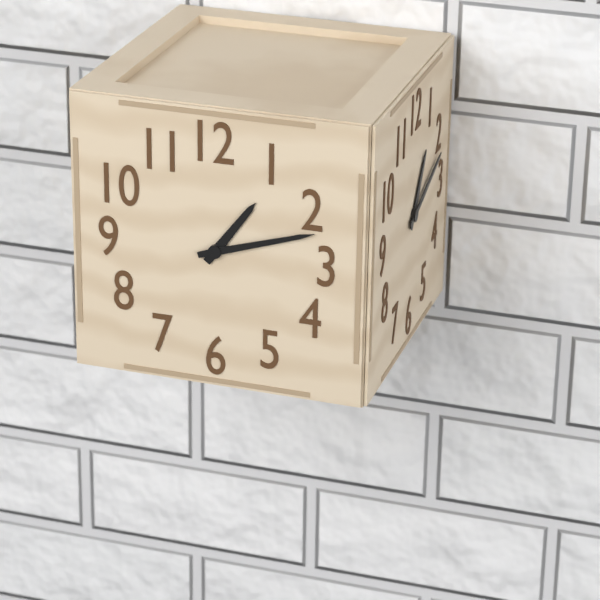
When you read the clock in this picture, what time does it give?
1:12
